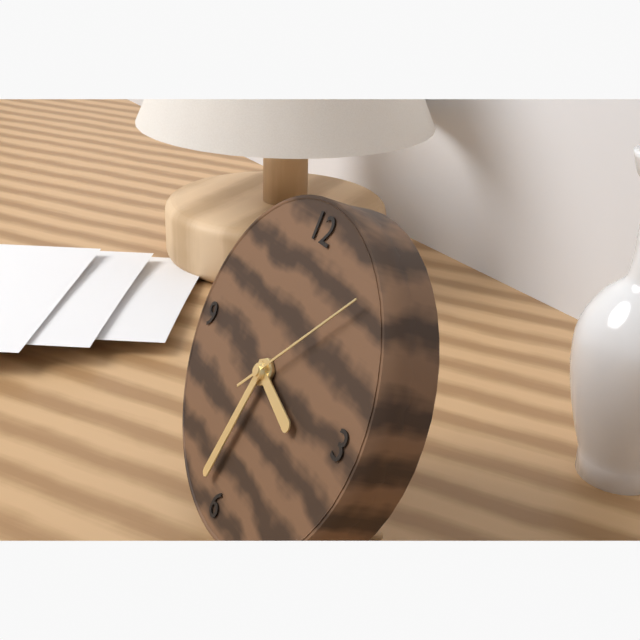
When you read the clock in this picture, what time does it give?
3:32:07
